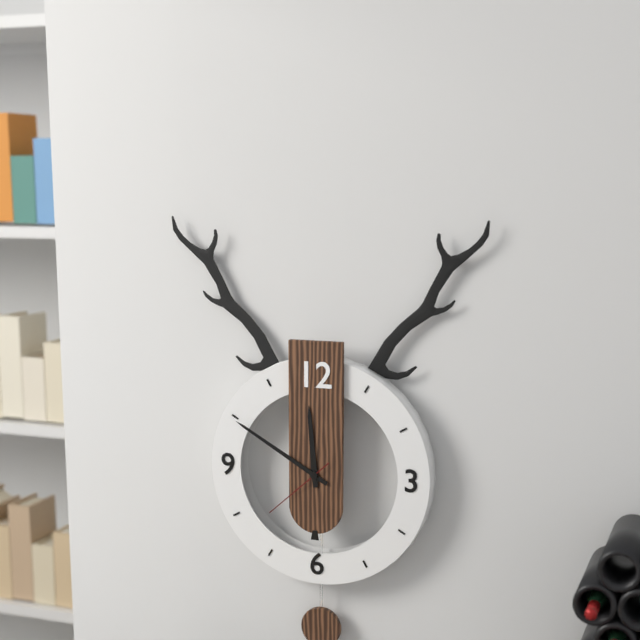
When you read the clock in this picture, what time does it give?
11:50:38
